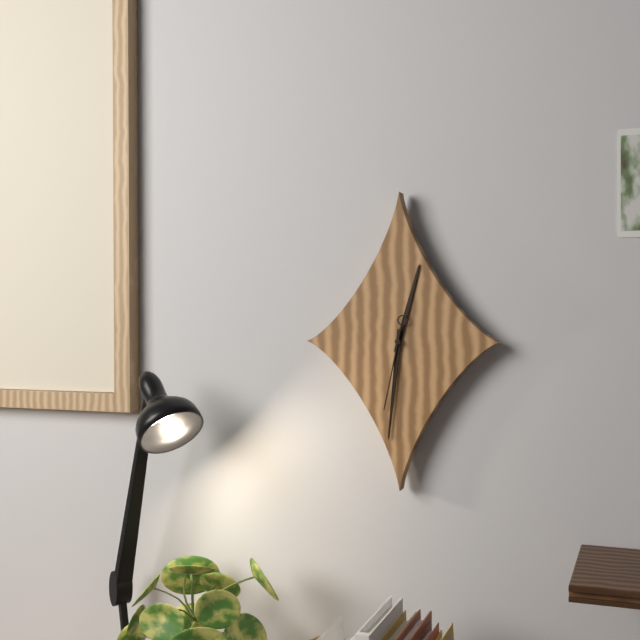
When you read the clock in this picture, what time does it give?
12:31:32
